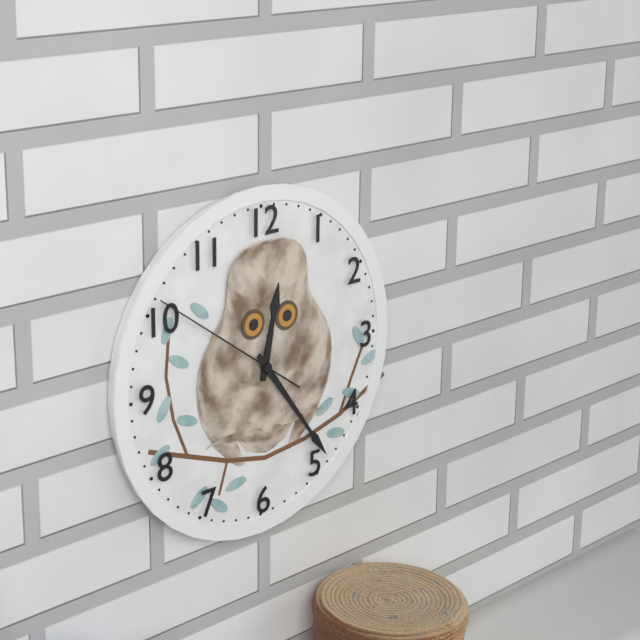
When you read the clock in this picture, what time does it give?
12:24:51
